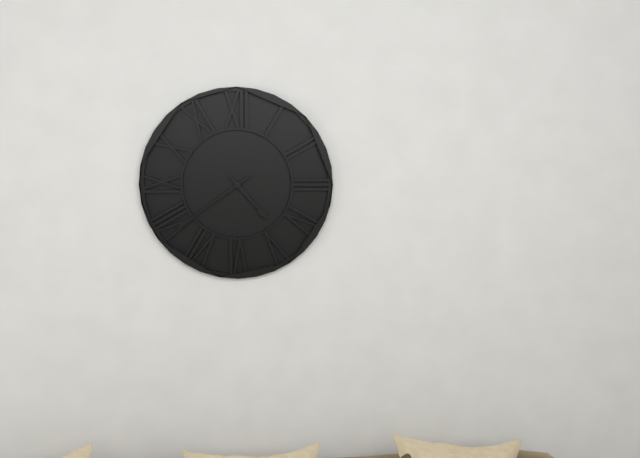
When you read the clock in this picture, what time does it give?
4:39
